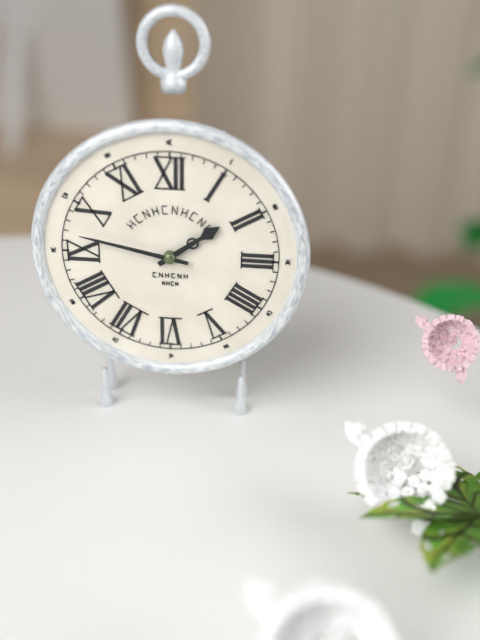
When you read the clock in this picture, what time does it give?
1:47
